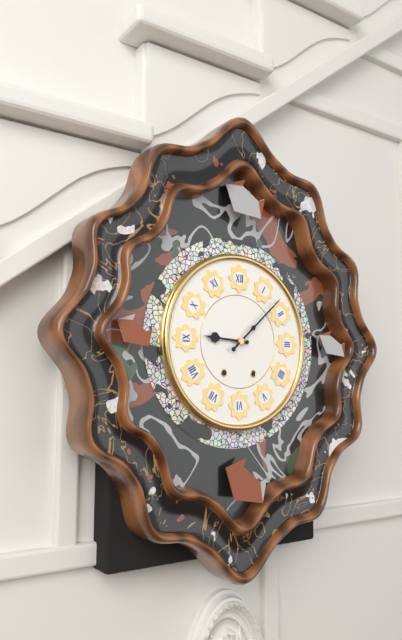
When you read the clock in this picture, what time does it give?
9:08
